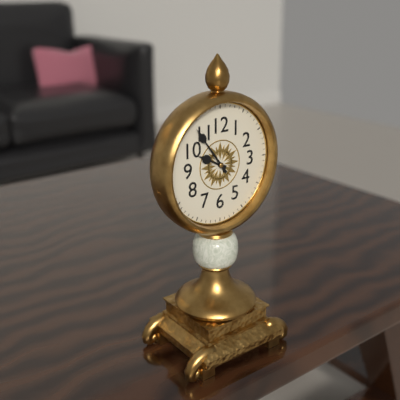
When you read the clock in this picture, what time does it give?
9:54
